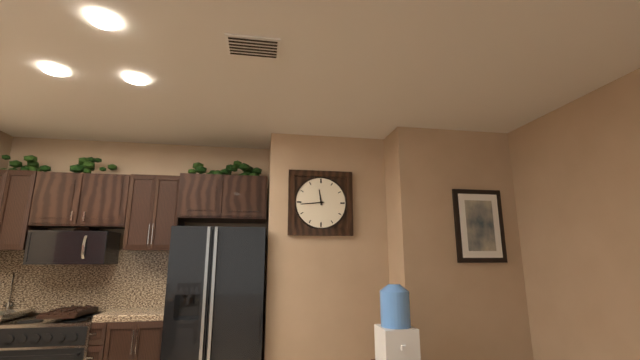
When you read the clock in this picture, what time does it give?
11:44
